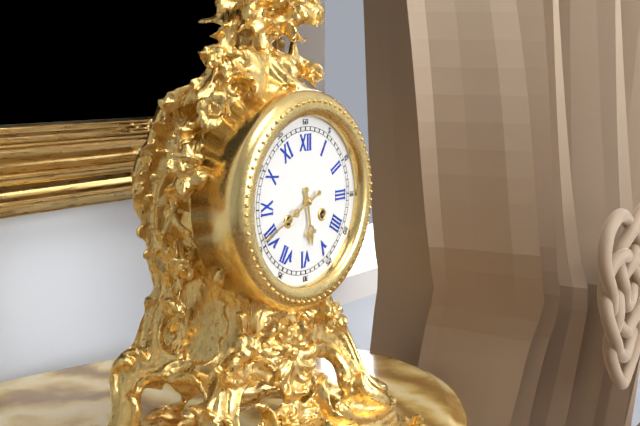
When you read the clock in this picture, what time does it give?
5:41
